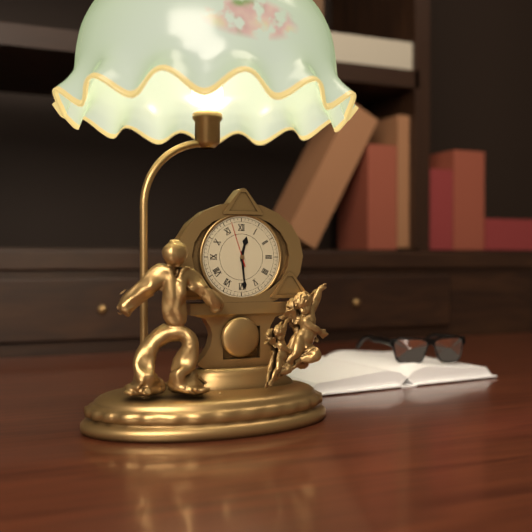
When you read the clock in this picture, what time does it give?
12:29
